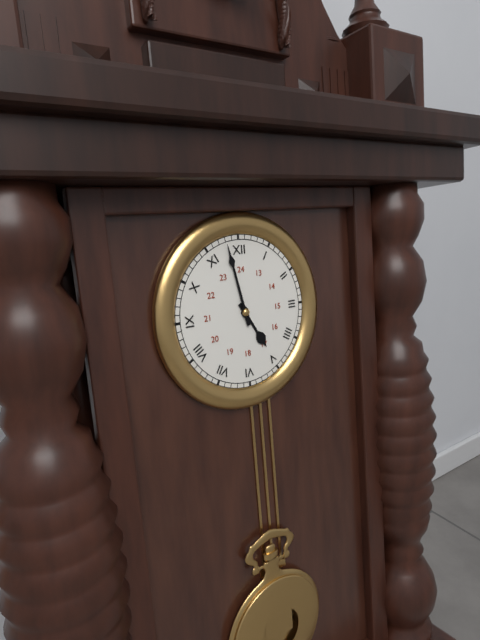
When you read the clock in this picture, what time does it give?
4:58
